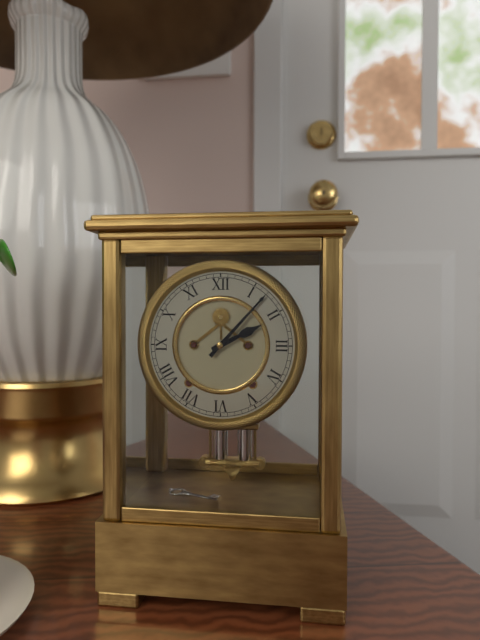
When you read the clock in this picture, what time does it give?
2:07
